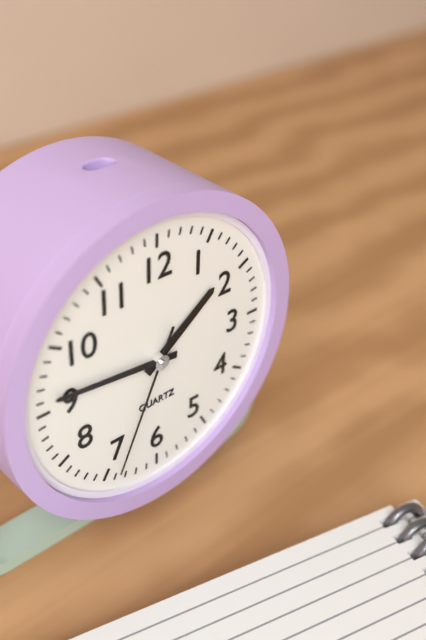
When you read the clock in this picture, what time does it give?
1:46:34
